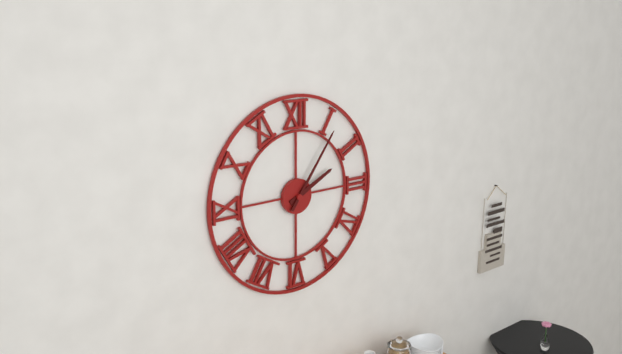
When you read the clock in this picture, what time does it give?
2:06
